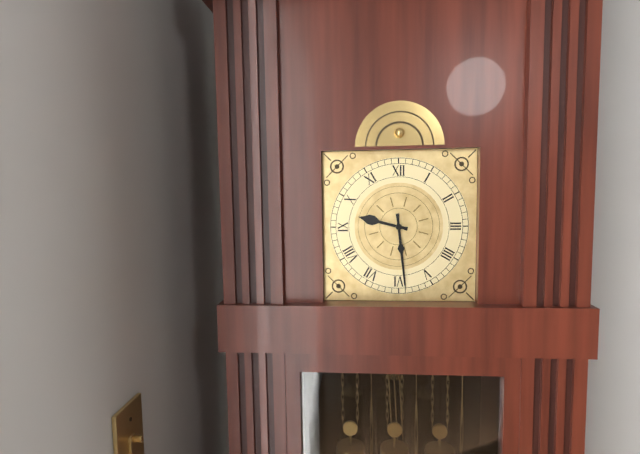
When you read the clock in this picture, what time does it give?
9:29
